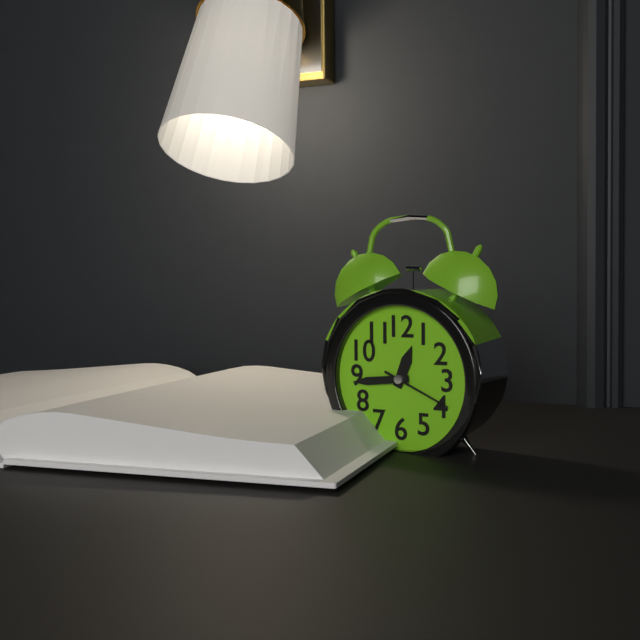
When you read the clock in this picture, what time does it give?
12:44:19
